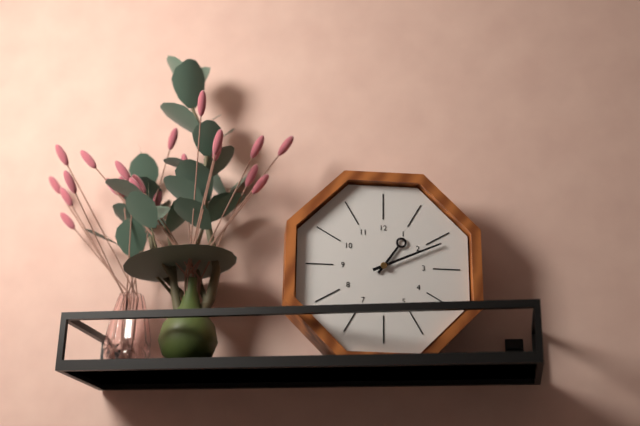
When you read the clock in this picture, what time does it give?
1:11
